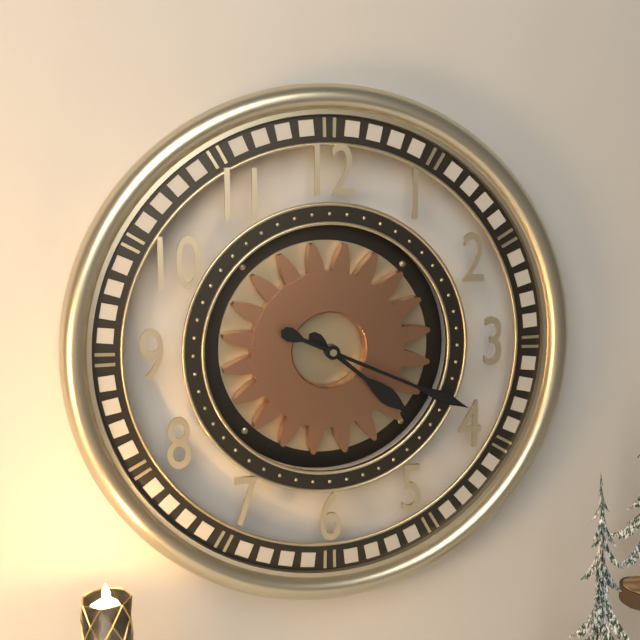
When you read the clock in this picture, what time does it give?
4:19
